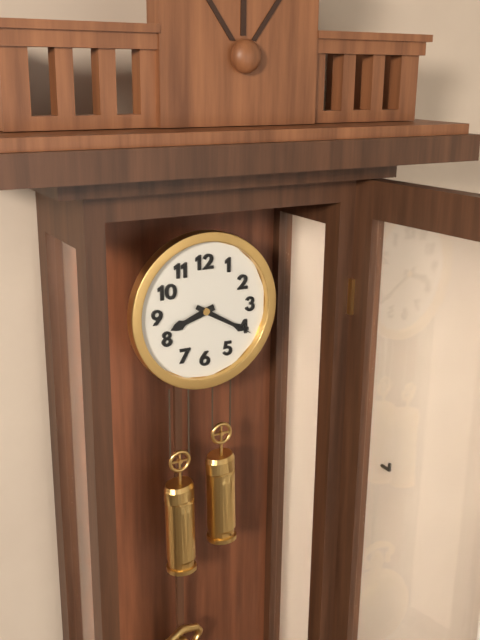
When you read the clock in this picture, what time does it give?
8:20
